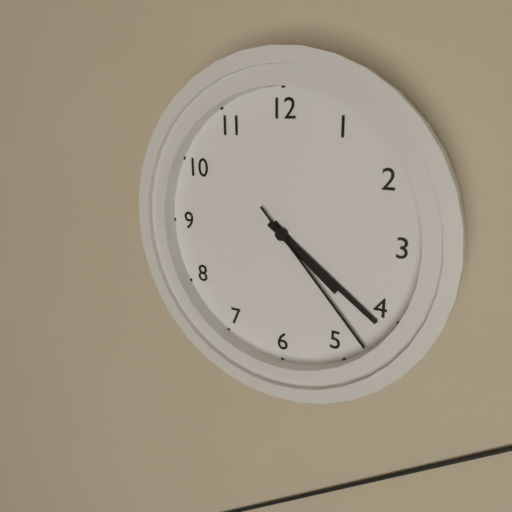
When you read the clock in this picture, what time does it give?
4:21:23
